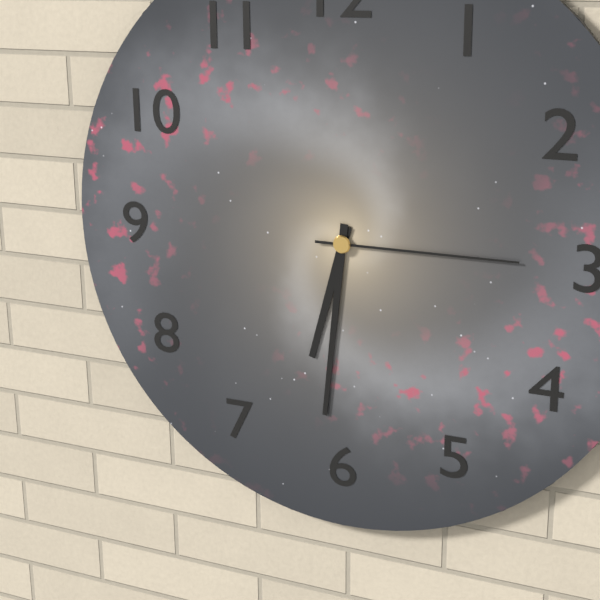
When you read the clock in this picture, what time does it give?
6:31:15
